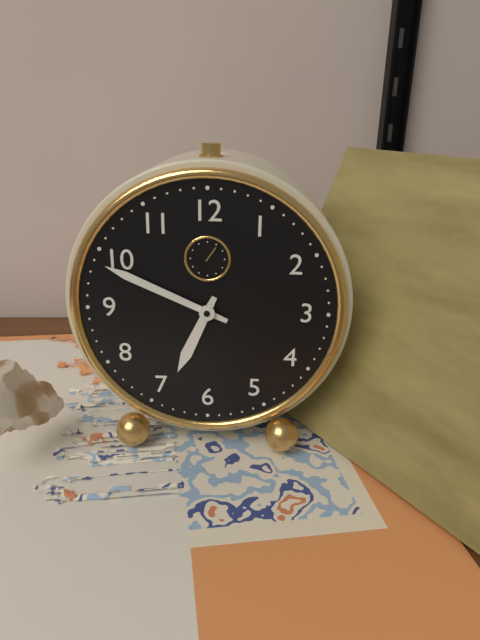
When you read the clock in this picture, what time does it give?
6:49
